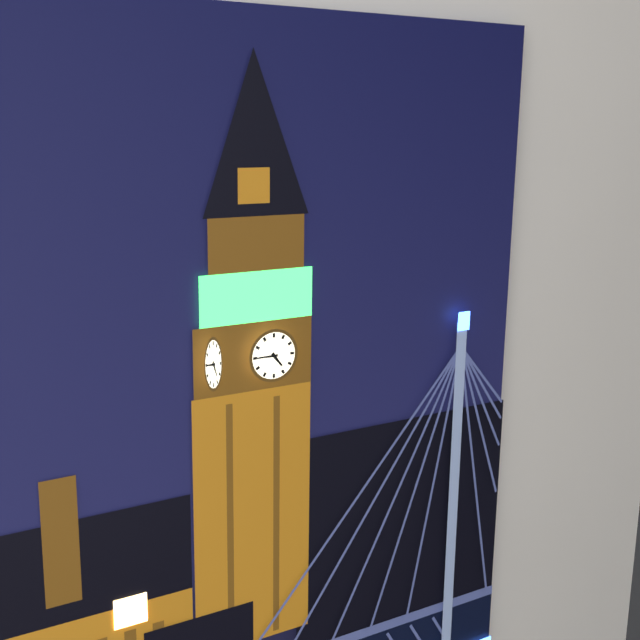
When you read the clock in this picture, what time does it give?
4:45
